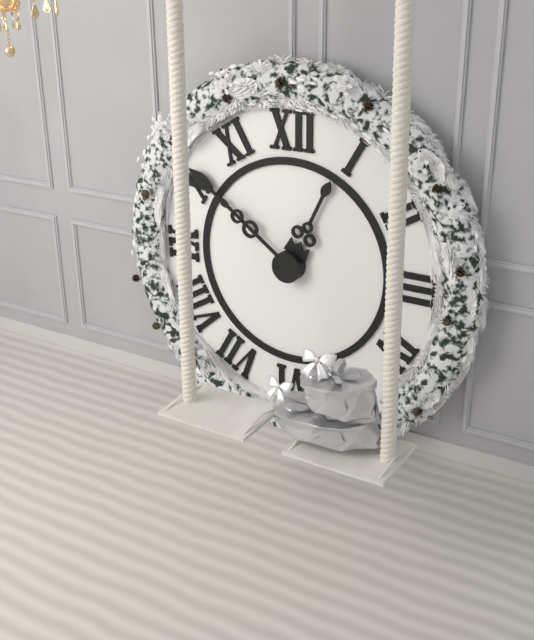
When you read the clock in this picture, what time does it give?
12:51
